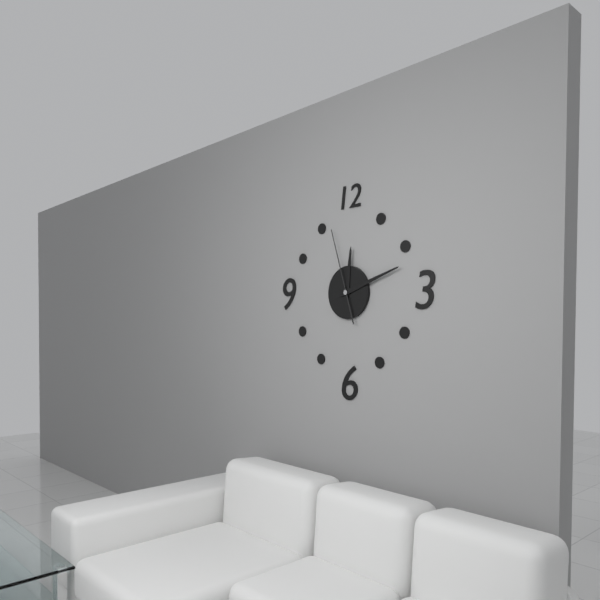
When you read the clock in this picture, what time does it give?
12:12:57
